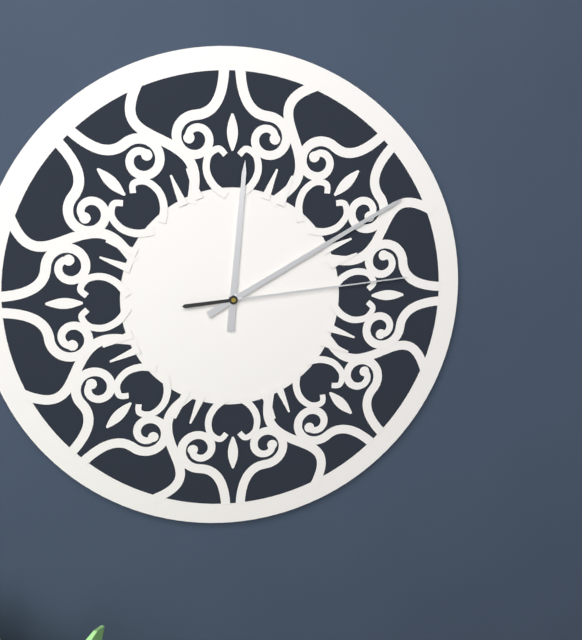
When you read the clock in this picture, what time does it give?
12:10:14
